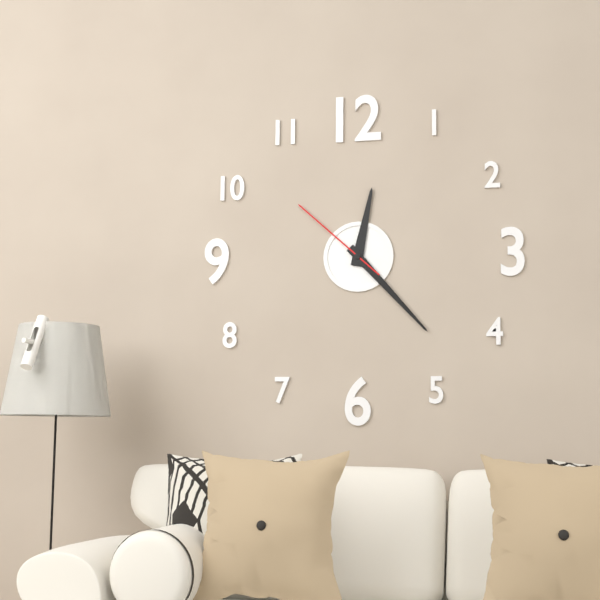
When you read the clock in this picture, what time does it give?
12:23:52
